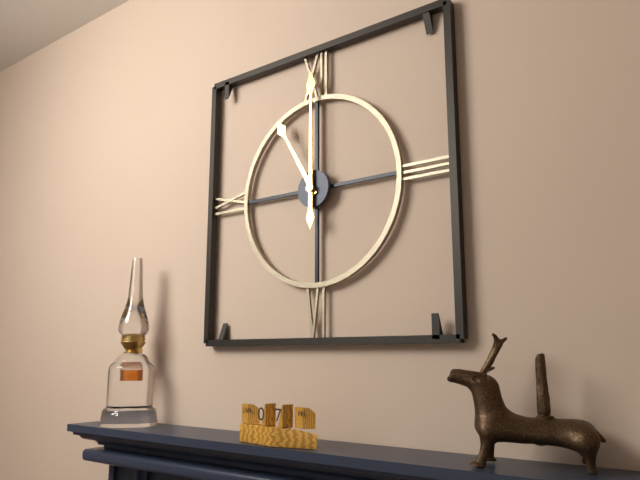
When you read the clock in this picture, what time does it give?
11:00
